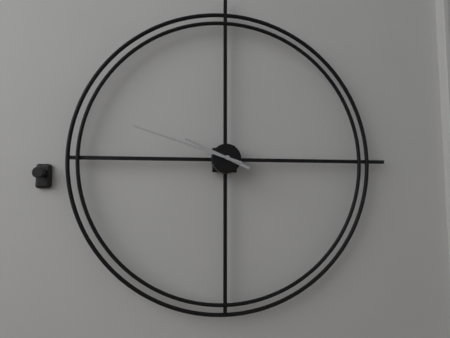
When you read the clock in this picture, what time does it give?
9:48
